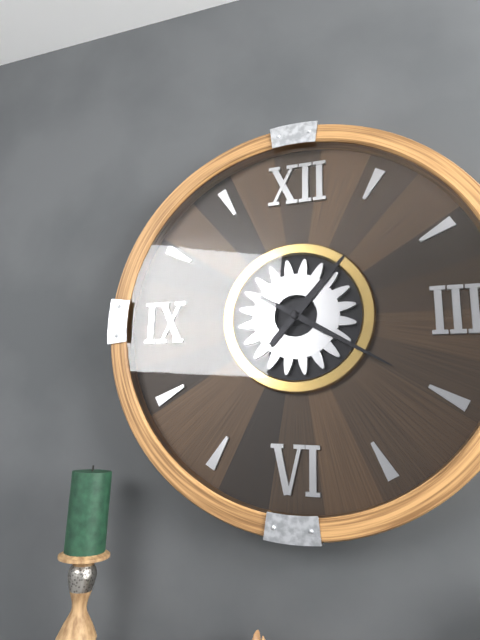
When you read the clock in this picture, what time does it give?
1:20
